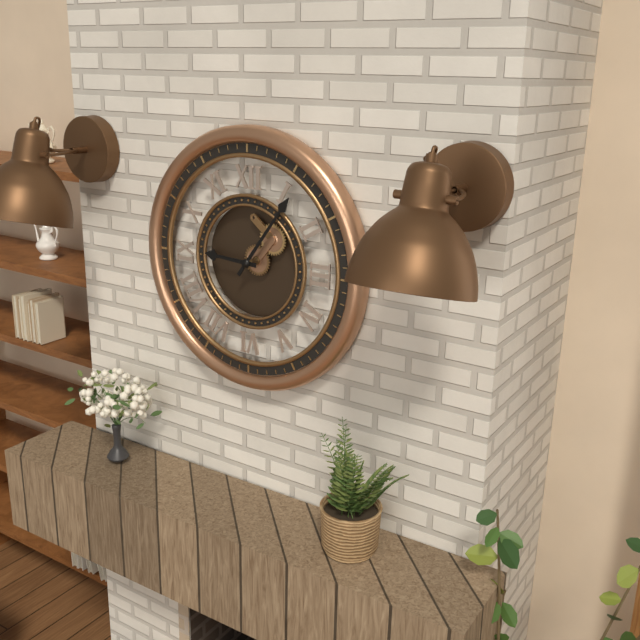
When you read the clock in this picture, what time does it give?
9:06
